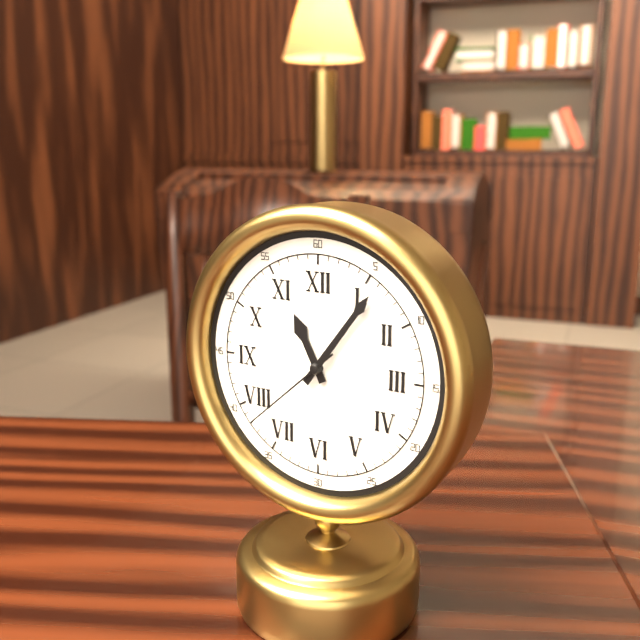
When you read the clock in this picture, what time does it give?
11:06:38
